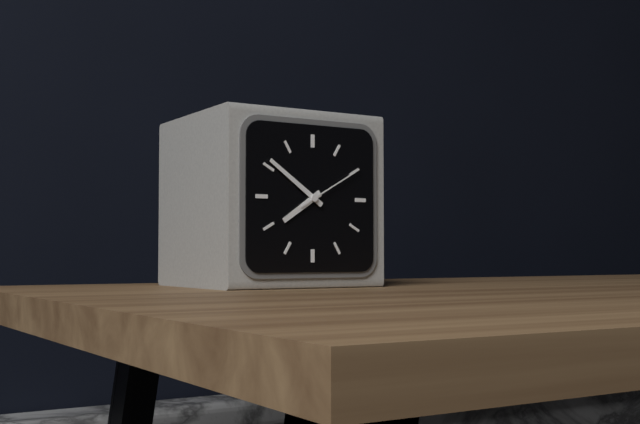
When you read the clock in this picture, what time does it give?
7:51:10
